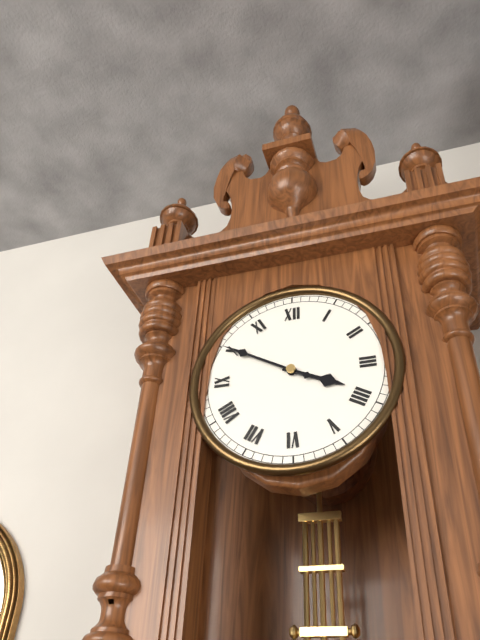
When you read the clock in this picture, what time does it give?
3:50
